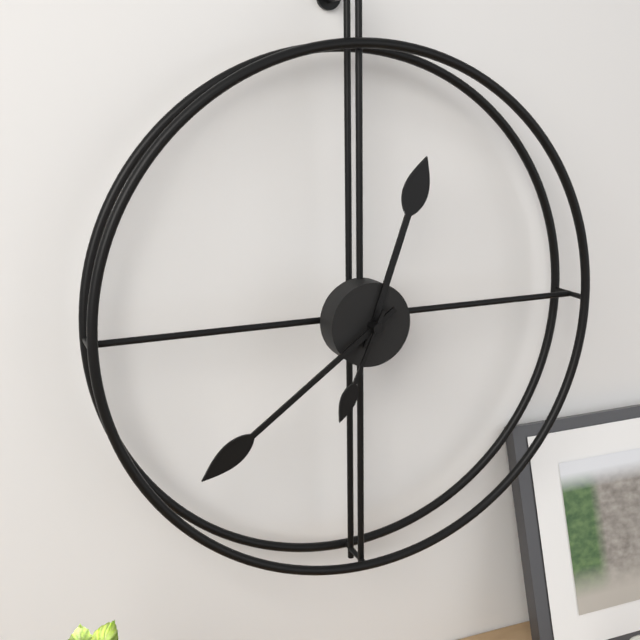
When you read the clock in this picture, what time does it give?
12:39:34
